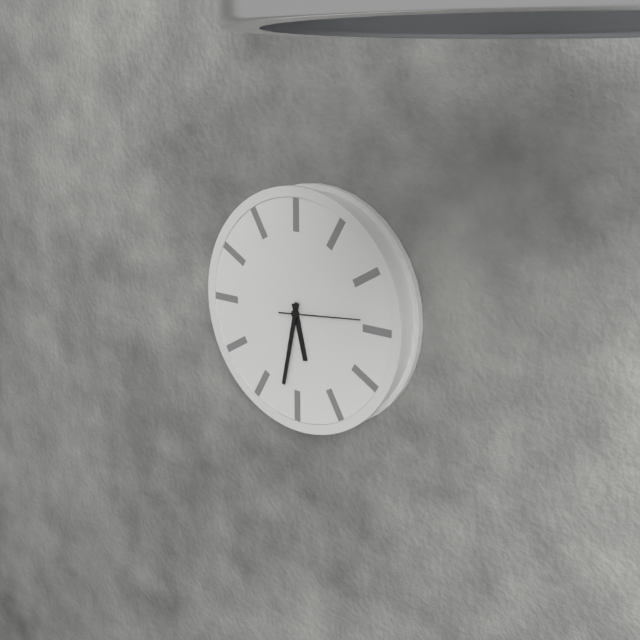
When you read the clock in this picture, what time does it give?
5:32:14
